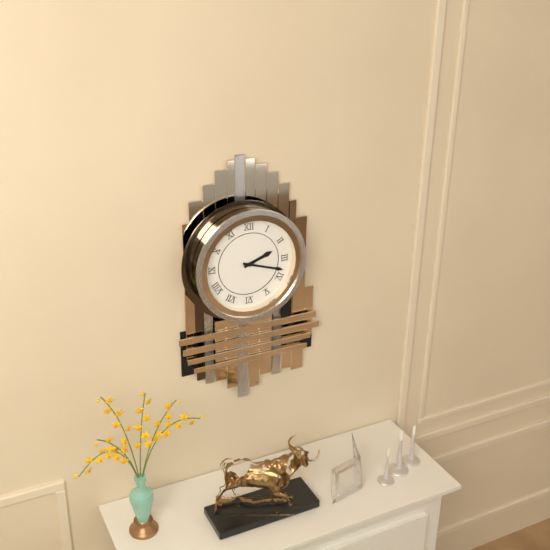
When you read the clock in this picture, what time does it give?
2:18
